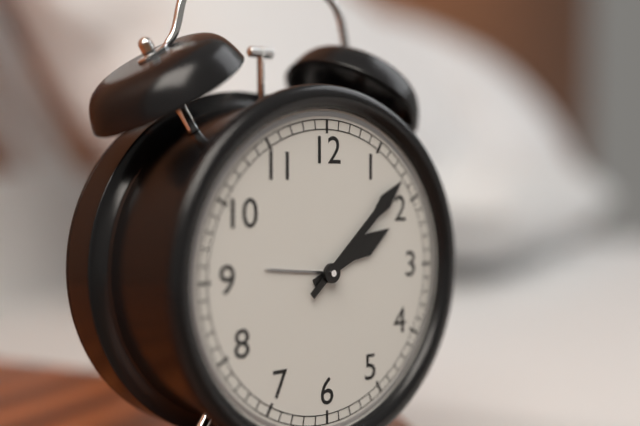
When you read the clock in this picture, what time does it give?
2:08
